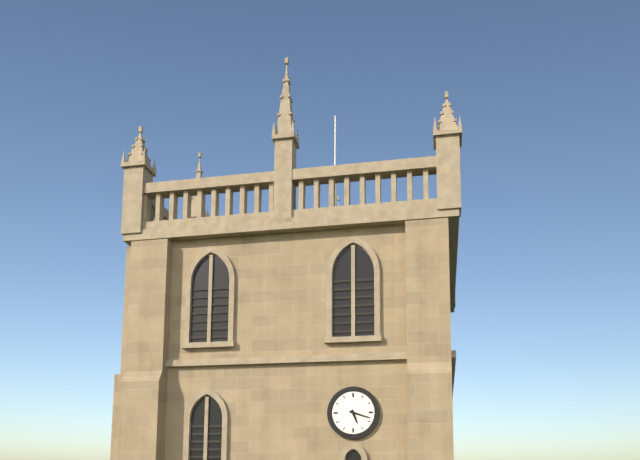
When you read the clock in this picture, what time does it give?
5:18
